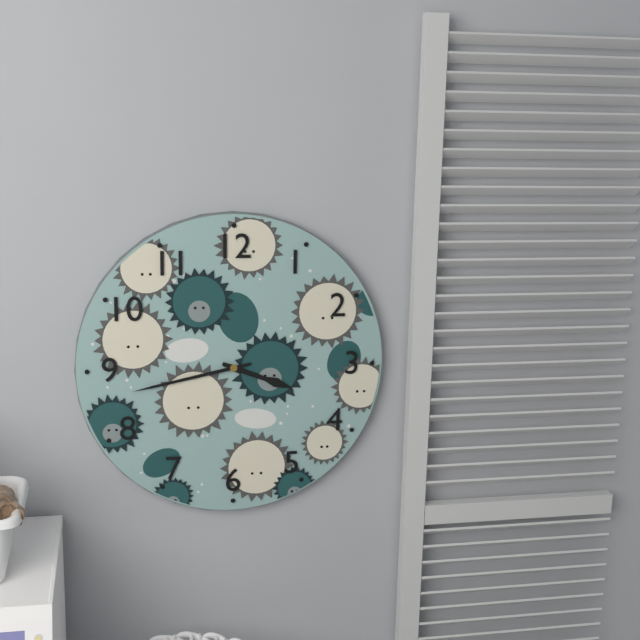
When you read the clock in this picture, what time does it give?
3:43
